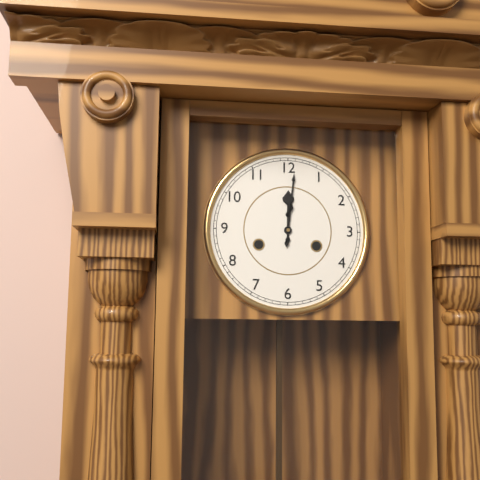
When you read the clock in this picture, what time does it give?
12:01
